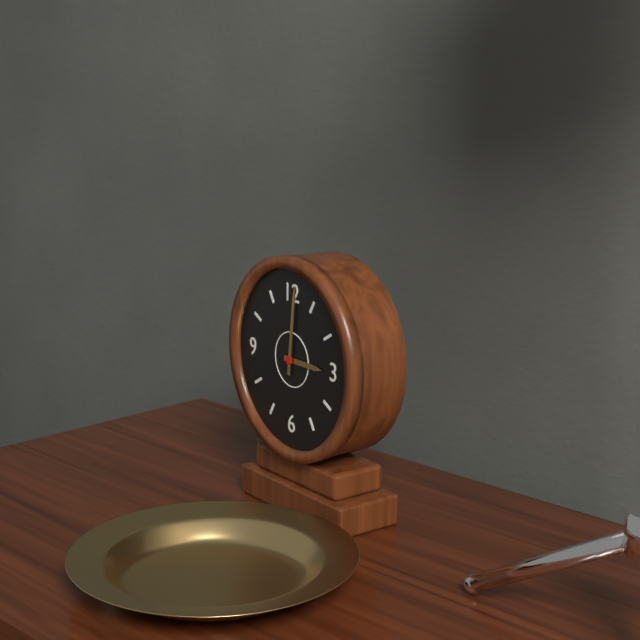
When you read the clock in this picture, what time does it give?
3:01
